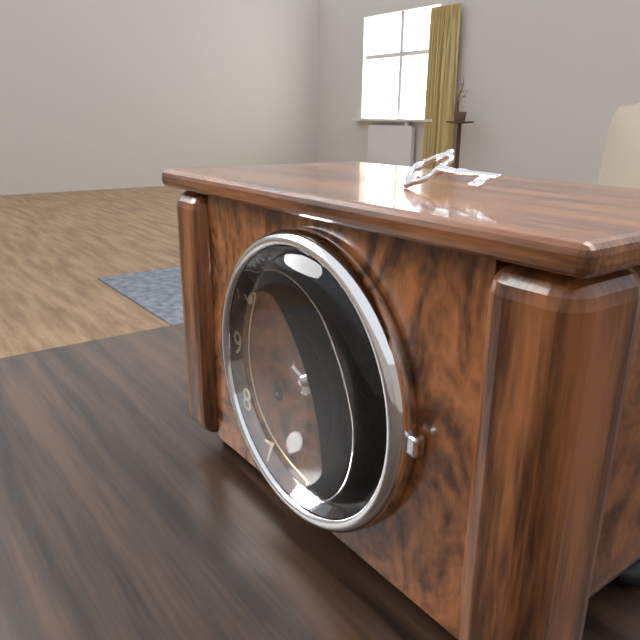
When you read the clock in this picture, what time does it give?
12:20
